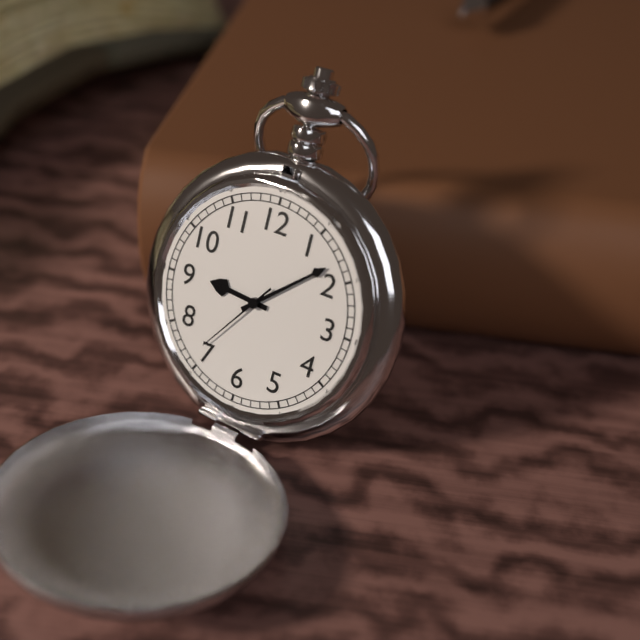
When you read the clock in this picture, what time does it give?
9:08:36
